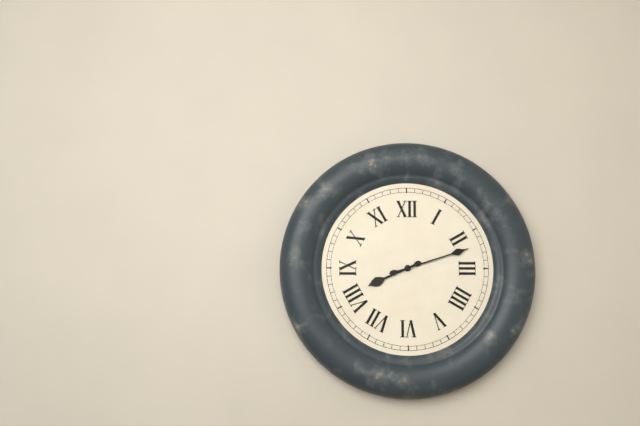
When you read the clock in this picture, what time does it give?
8:12
